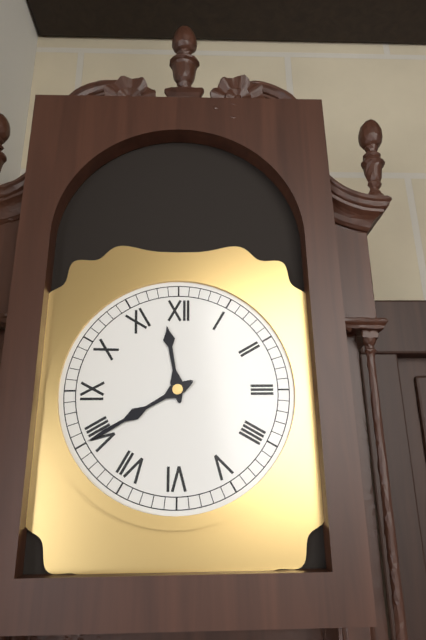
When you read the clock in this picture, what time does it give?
11:40
